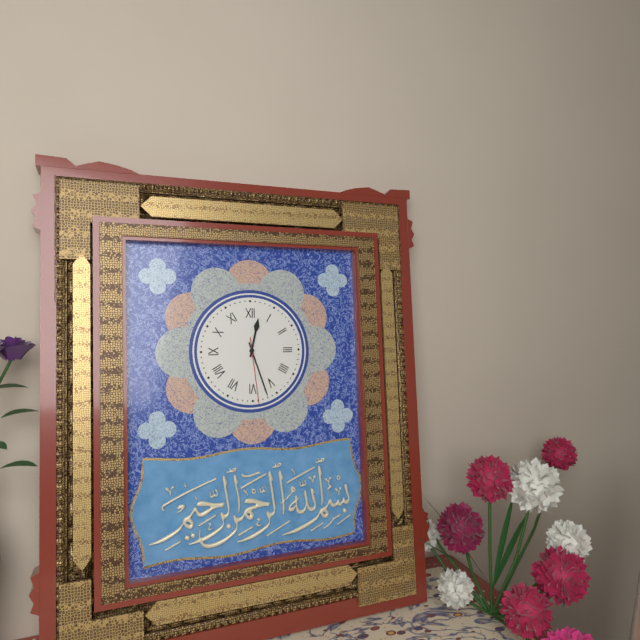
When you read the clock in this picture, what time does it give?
12:27:29
